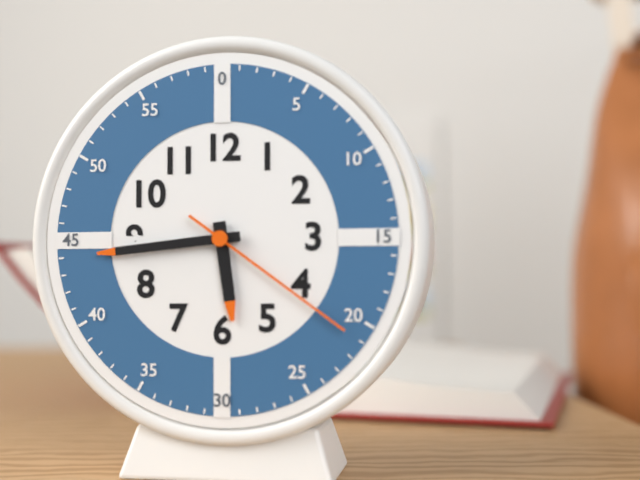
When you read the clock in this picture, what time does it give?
5:44:21
